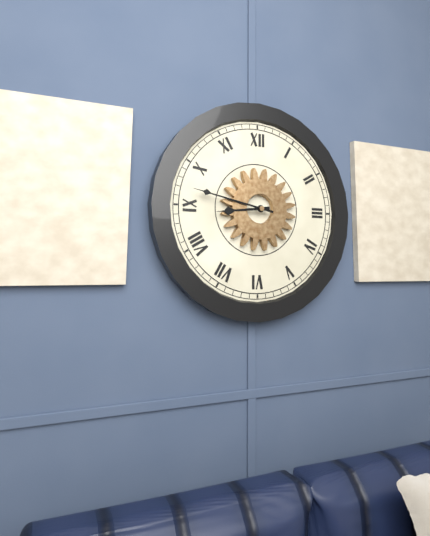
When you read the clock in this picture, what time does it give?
8:47
